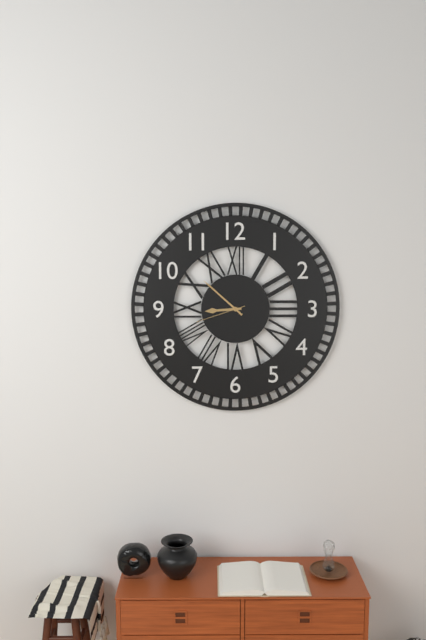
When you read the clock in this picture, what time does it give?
8:52:42
